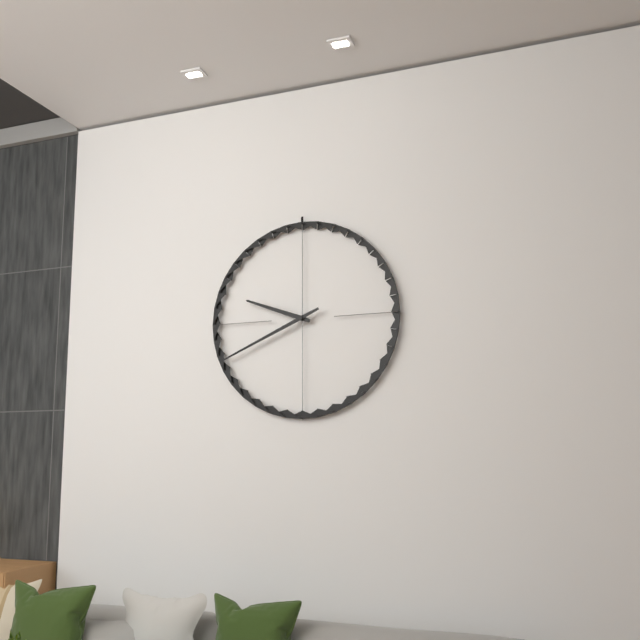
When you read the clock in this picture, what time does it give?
9:41
